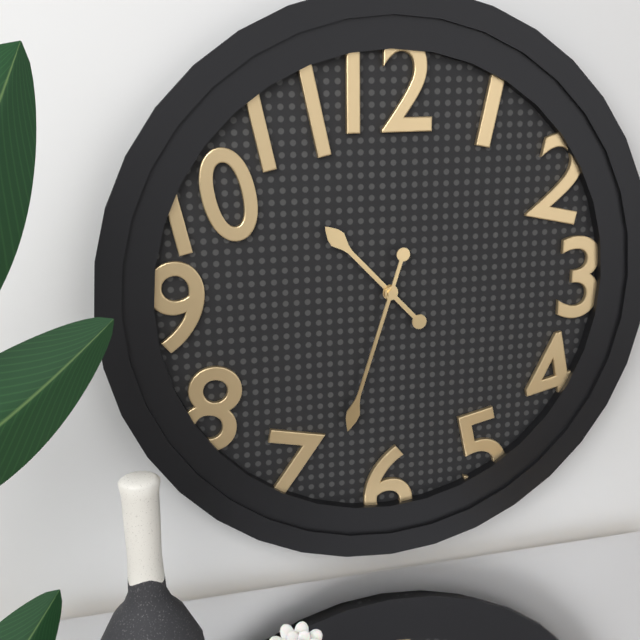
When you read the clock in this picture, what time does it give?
10:33
